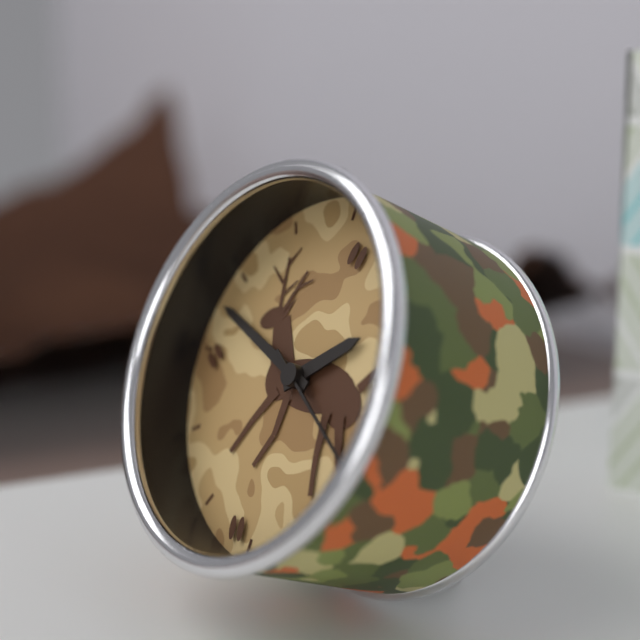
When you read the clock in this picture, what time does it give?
1:48:20
